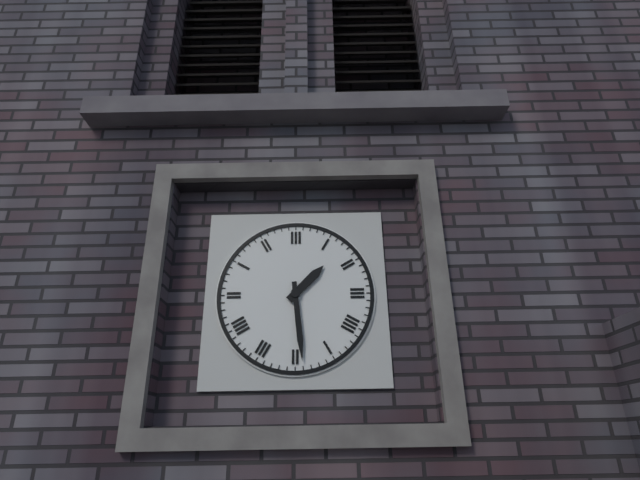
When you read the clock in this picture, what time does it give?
1:29
